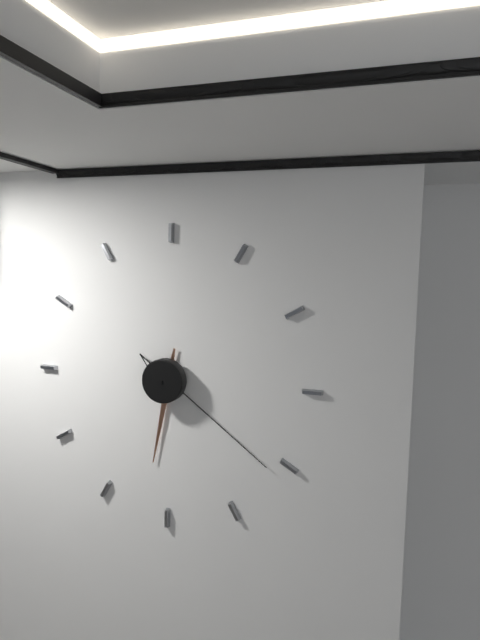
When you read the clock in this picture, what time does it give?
6:21
